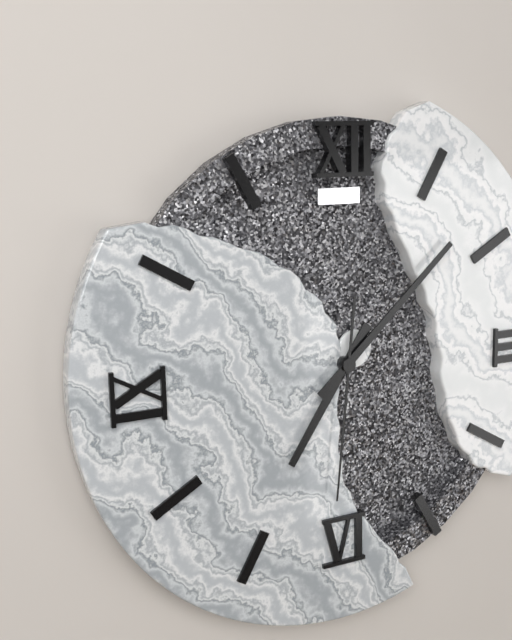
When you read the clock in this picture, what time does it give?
7:08:31
